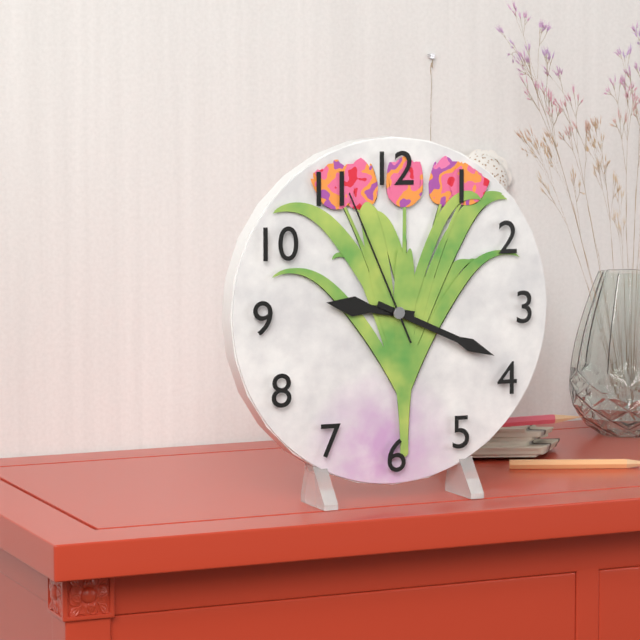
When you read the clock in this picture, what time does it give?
9:19:56
